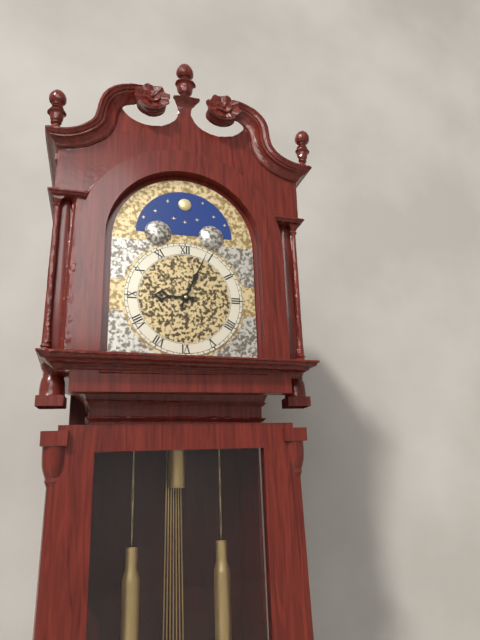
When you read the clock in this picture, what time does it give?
9:04
